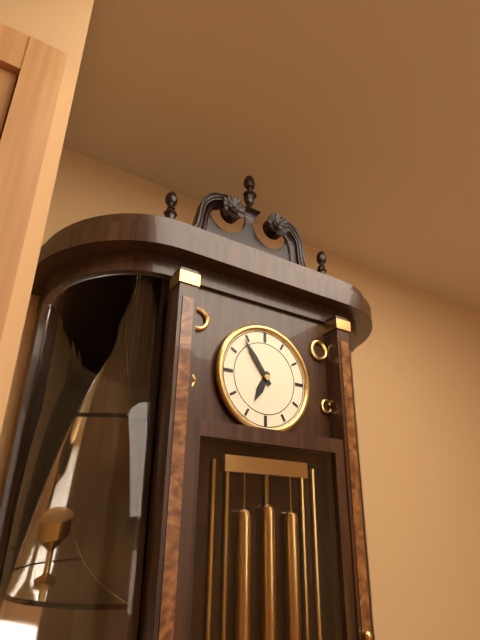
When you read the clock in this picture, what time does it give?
6:54
